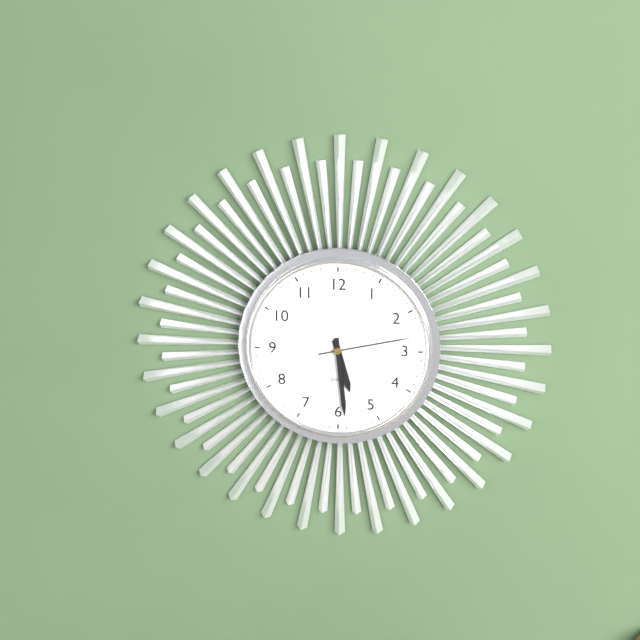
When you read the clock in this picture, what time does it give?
5:29:13
